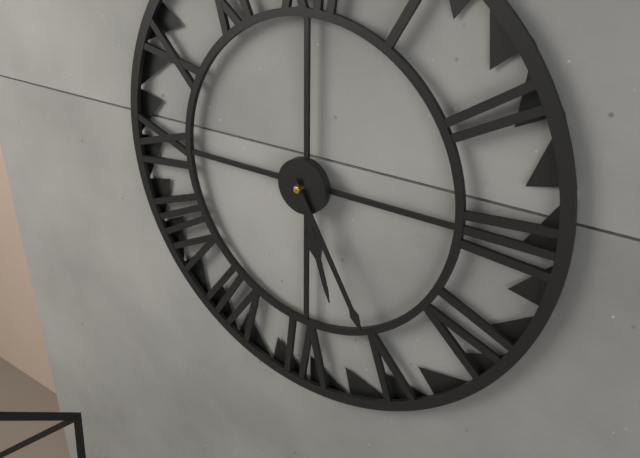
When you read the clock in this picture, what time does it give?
5:25
